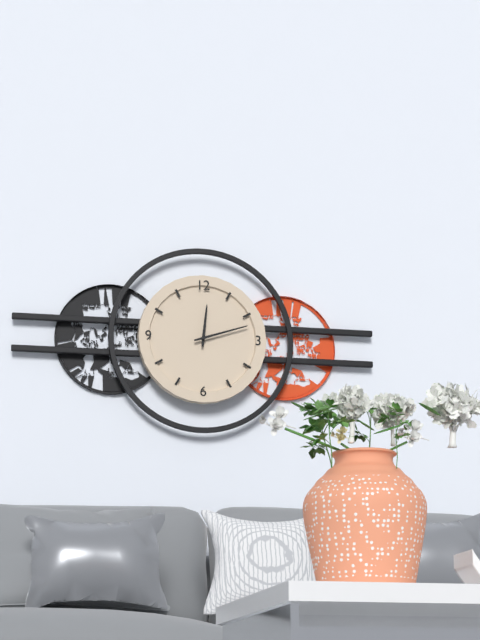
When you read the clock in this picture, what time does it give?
12:12
